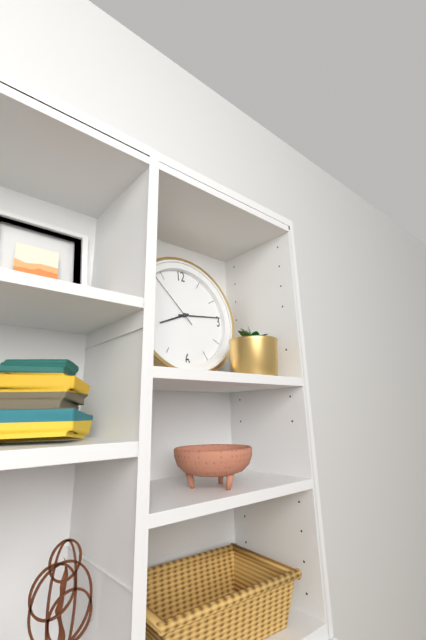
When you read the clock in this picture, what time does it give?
8:14:53
